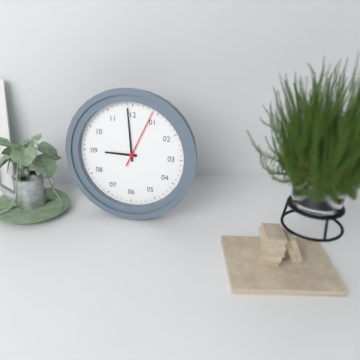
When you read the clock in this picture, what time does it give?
8:59:04
